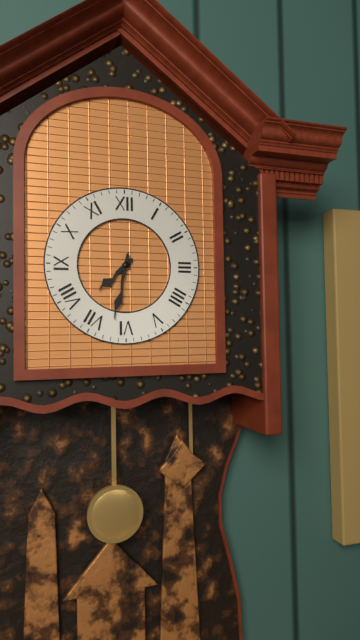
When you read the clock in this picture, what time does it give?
7:32
